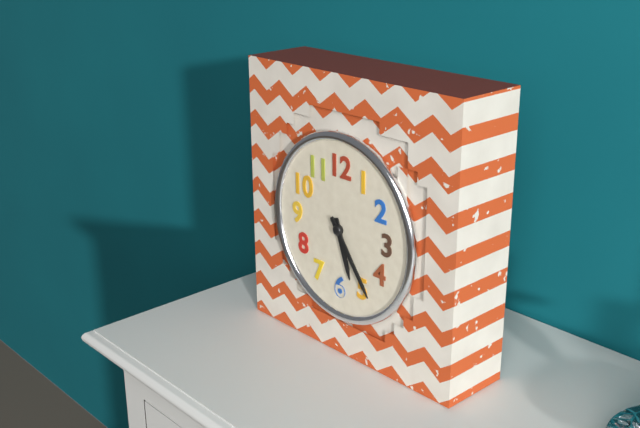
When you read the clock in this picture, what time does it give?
5:24
